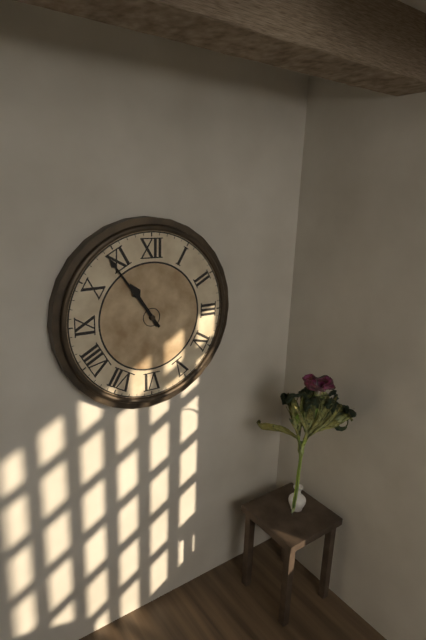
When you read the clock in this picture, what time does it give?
10:54
